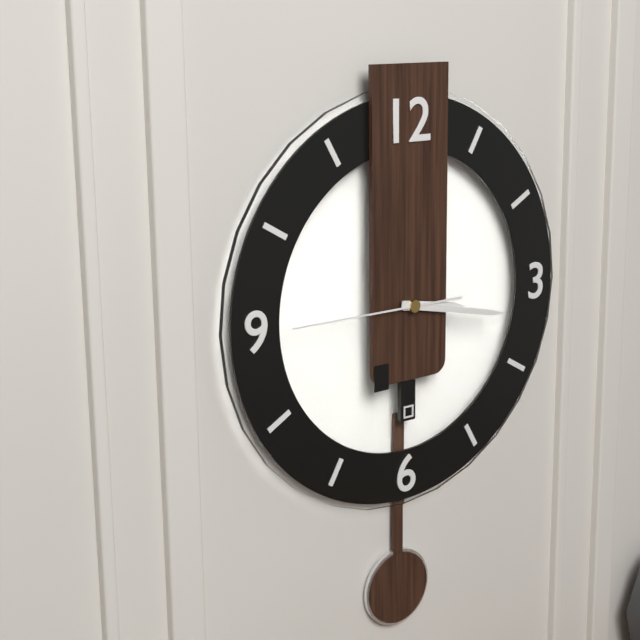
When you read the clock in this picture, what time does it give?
3:17:45
